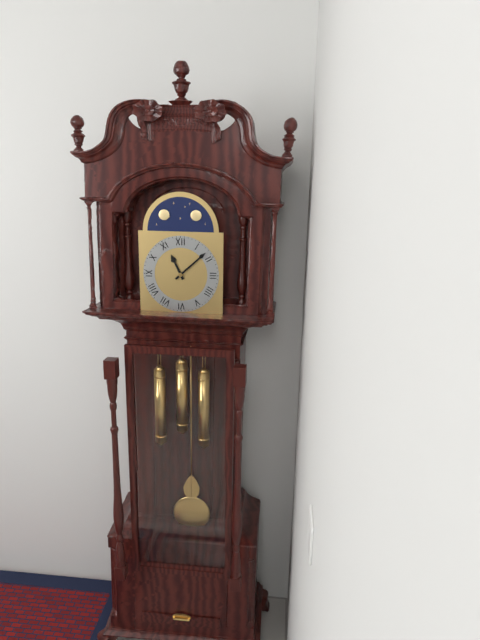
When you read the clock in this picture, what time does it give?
11:08
